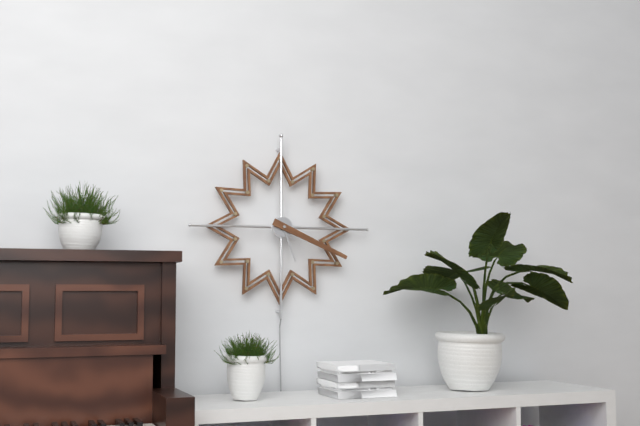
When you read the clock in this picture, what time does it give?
5:19
